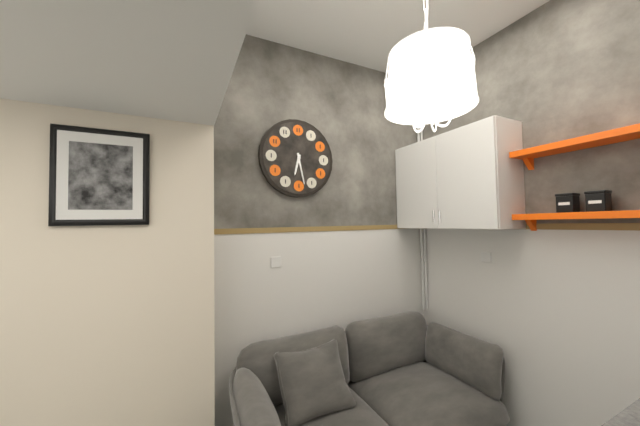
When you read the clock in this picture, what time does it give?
6:28
